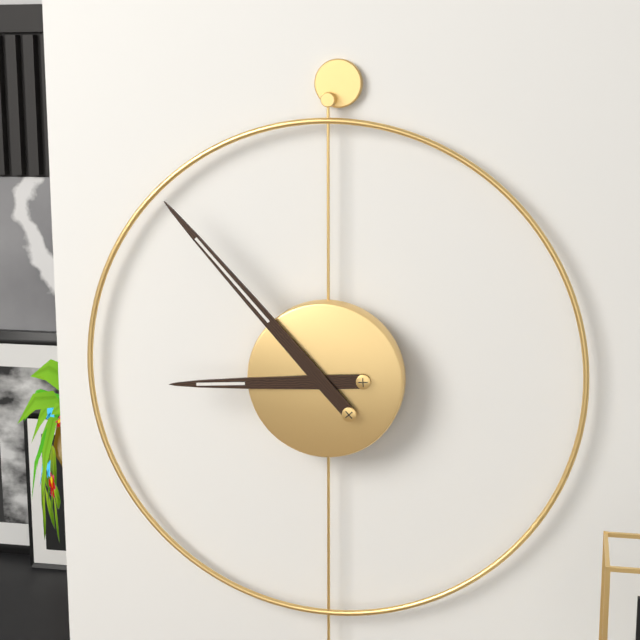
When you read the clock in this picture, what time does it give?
8:53
